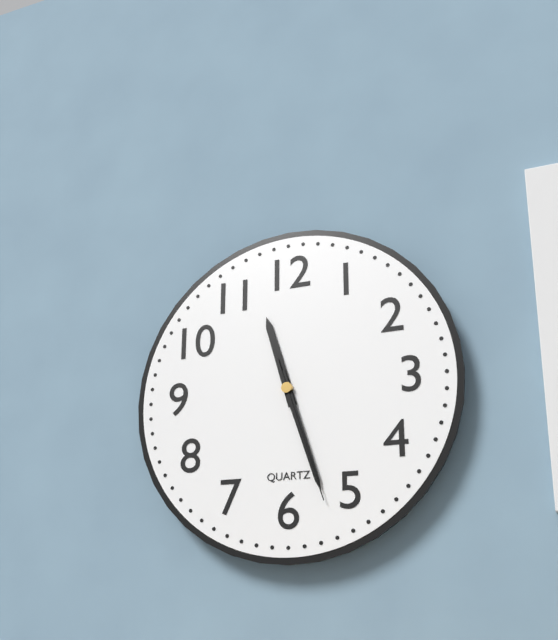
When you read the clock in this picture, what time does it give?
11:27:27
